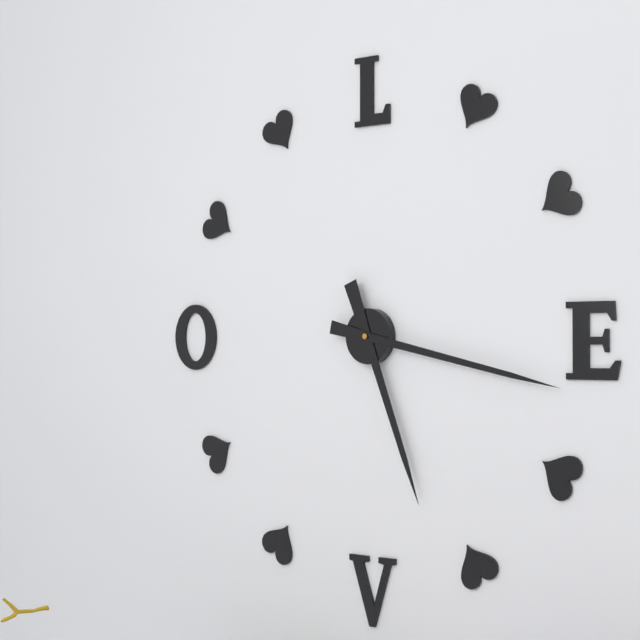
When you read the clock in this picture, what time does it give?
5:17
